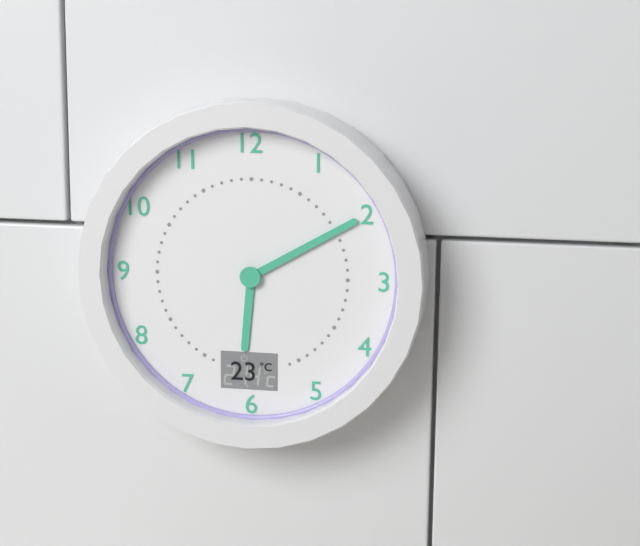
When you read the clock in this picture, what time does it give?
6:10
